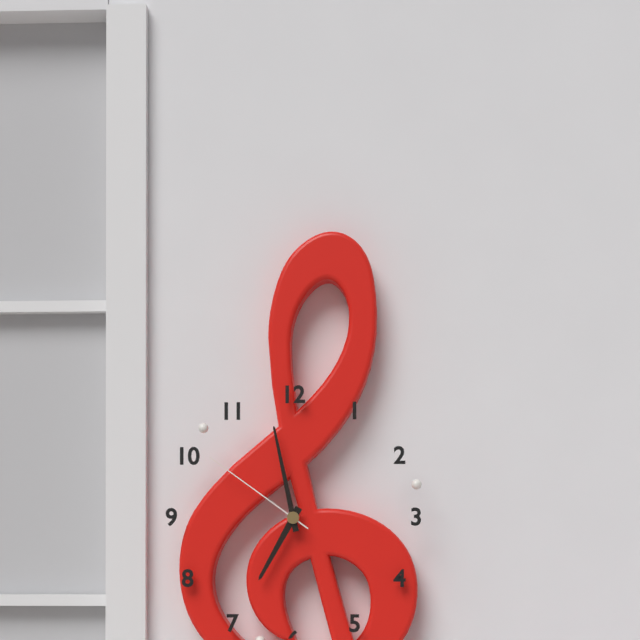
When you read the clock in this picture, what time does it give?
6:58:51
